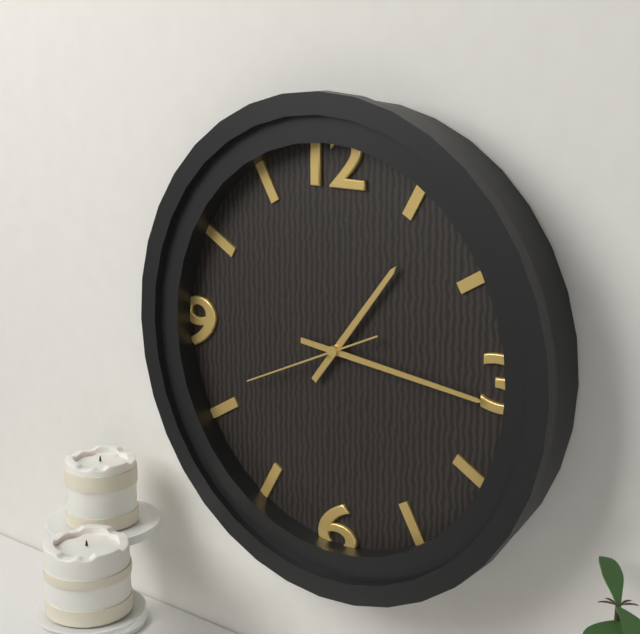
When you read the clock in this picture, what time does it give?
1:16:41
